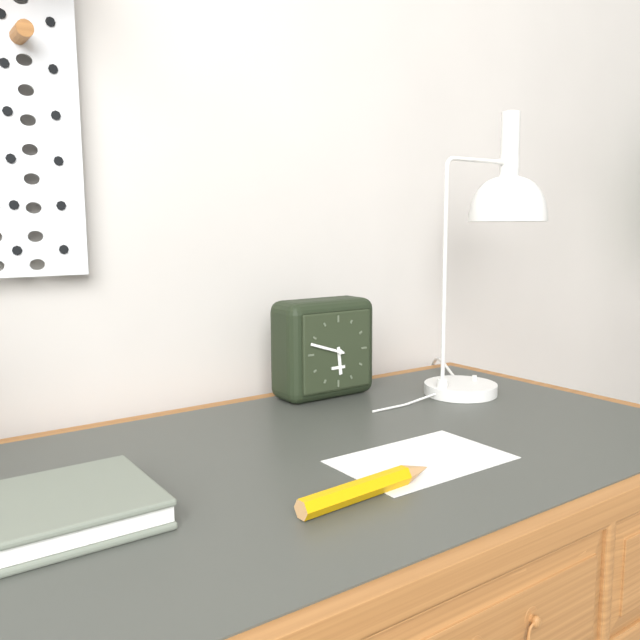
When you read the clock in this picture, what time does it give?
5:48
